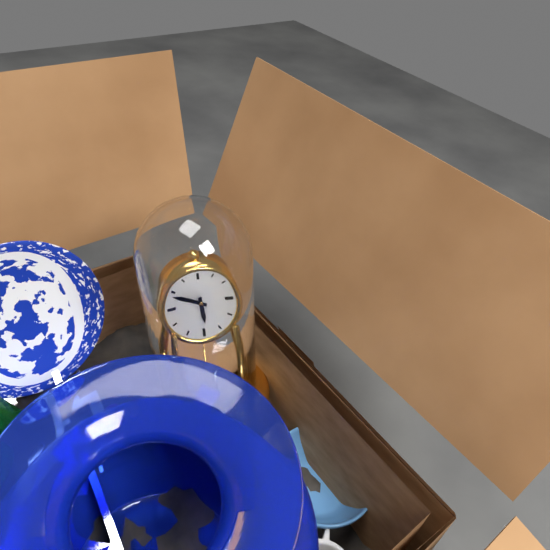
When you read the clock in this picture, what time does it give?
5:49
